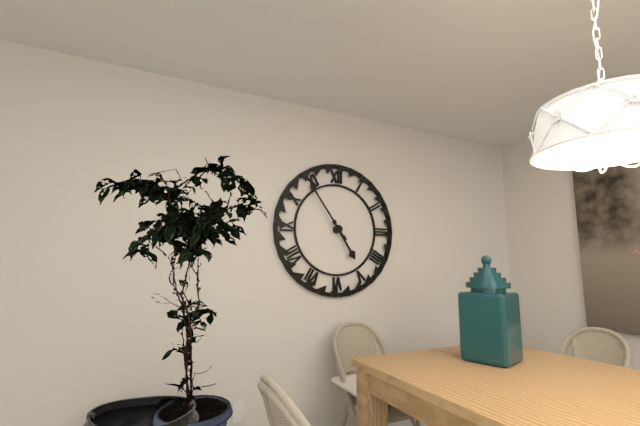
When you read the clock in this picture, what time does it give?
4:54
